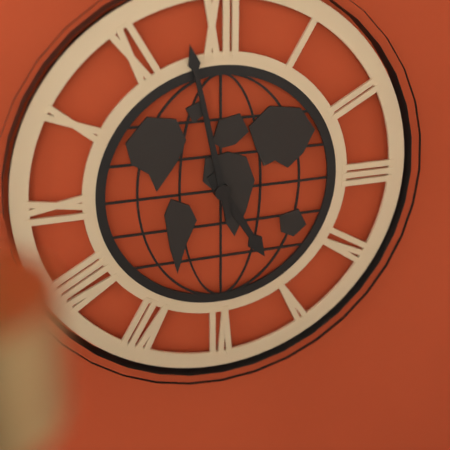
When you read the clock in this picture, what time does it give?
4:58
